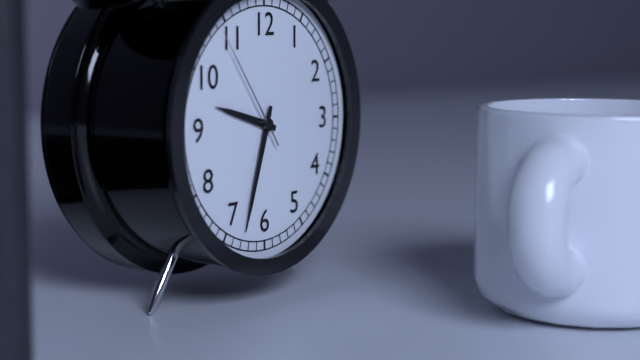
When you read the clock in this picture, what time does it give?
9:33:54
